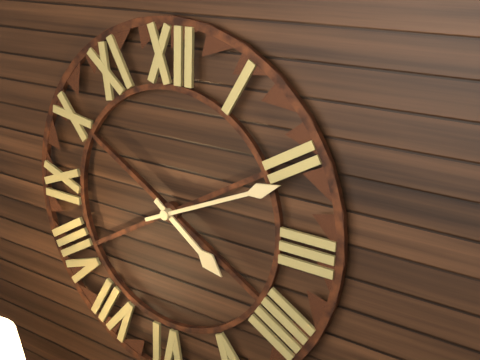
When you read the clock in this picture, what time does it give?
4:11
